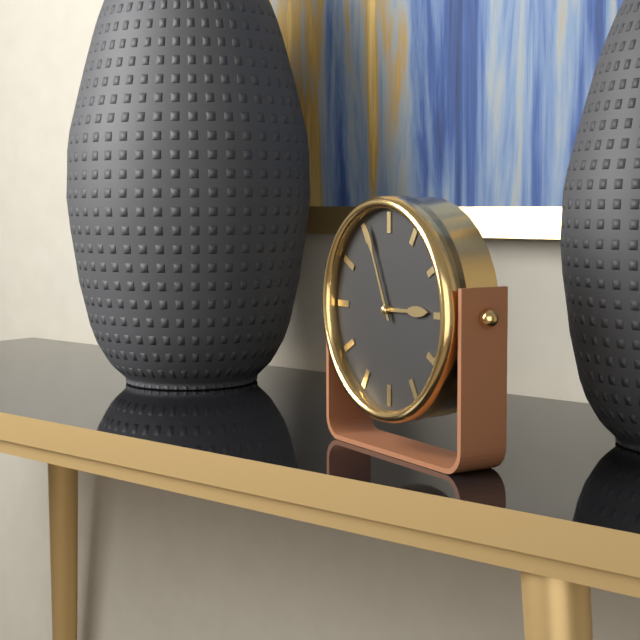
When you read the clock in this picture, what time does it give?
2:56
